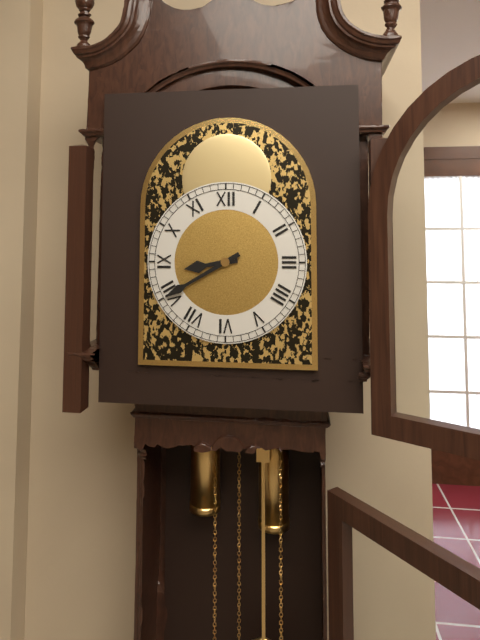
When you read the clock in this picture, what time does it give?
8:40
